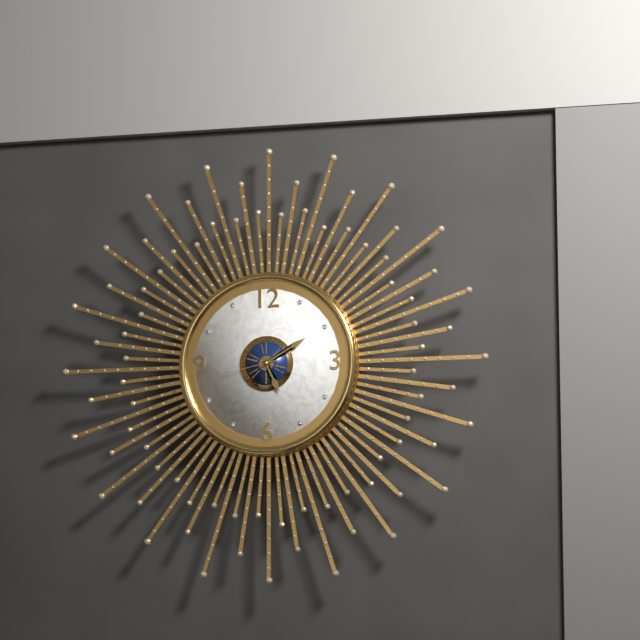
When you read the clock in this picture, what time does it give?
5:10:43
